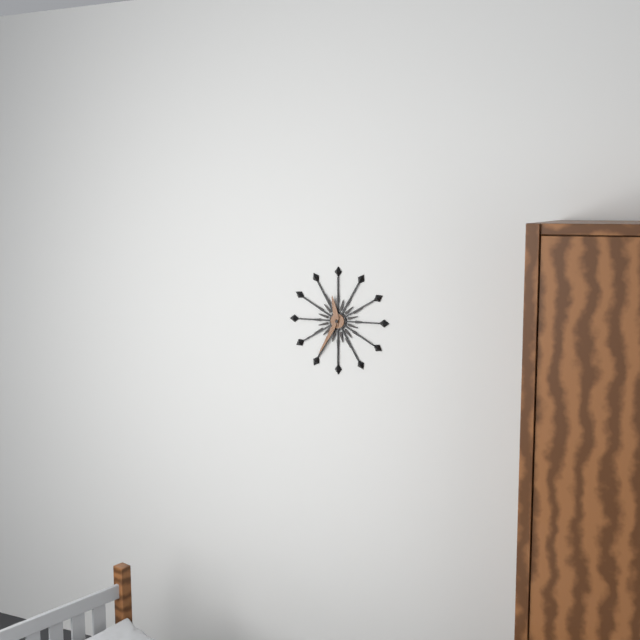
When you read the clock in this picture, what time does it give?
11:35
